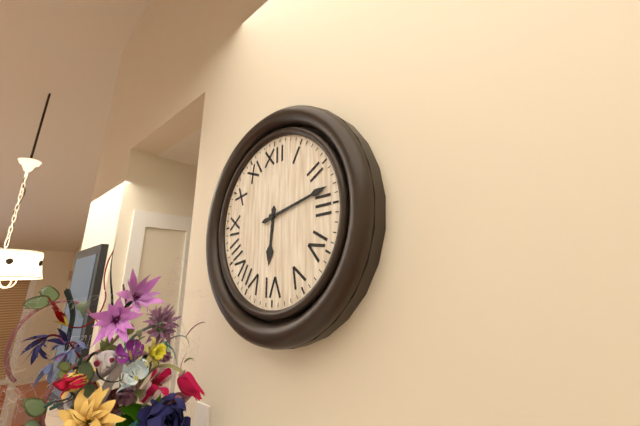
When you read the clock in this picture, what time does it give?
6:13
